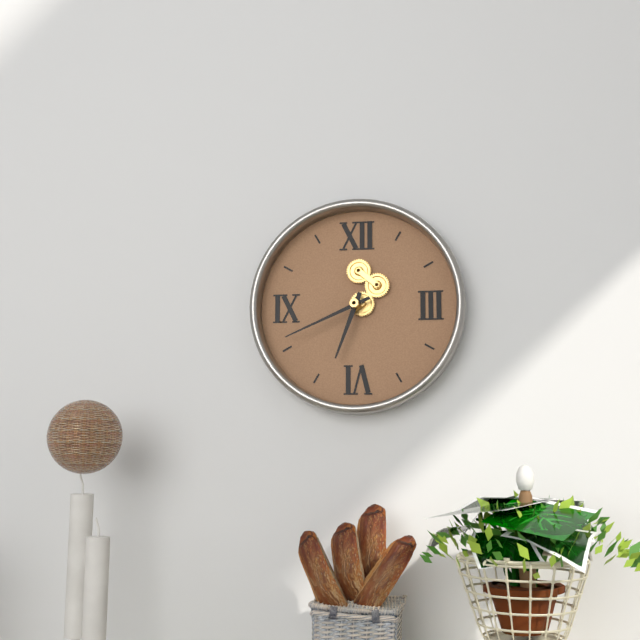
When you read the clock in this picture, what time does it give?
6:41
